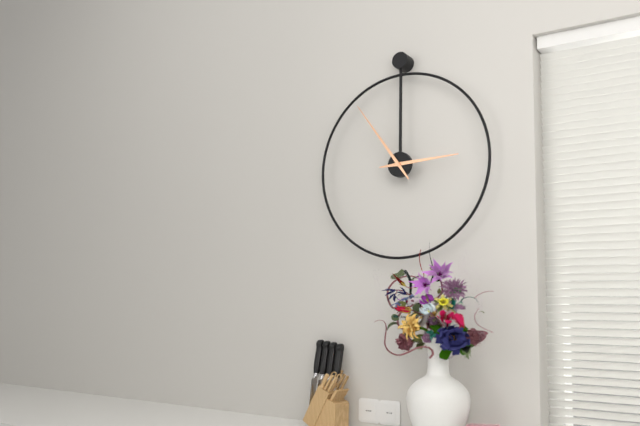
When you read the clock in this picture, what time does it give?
2:54
